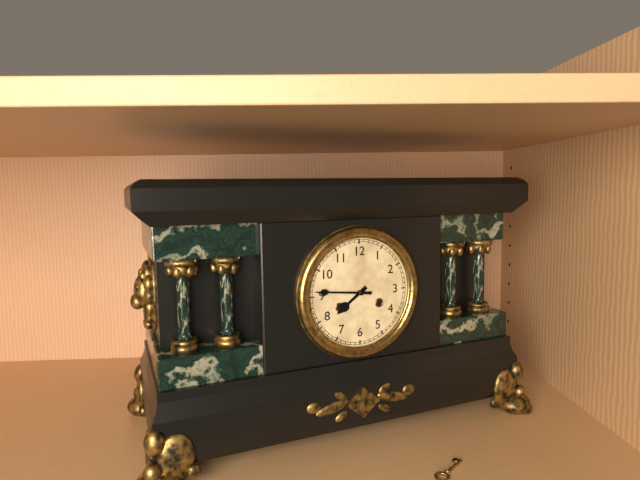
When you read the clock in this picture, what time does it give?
7:46
